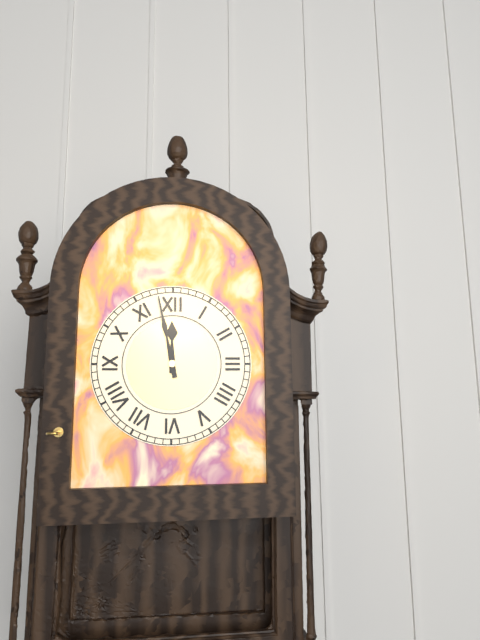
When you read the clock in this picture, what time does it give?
11:58
